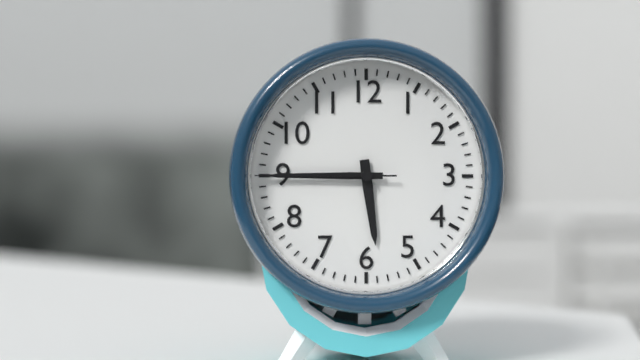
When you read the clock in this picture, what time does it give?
5:45:45
